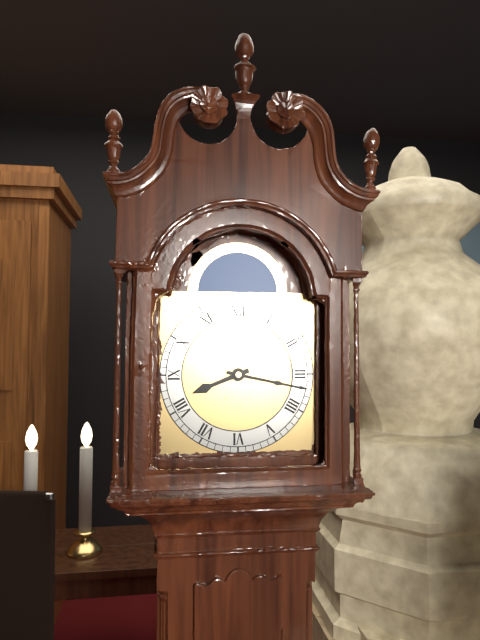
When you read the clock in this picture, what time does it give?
8:17
